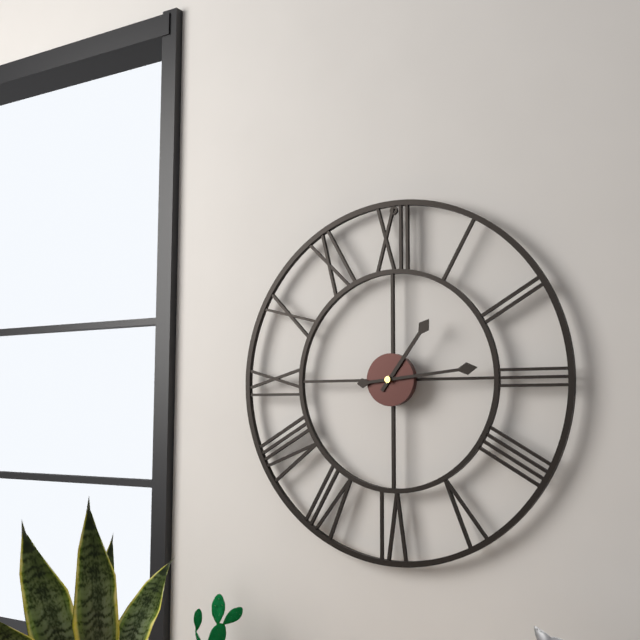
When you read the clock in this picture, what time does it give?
1:14
